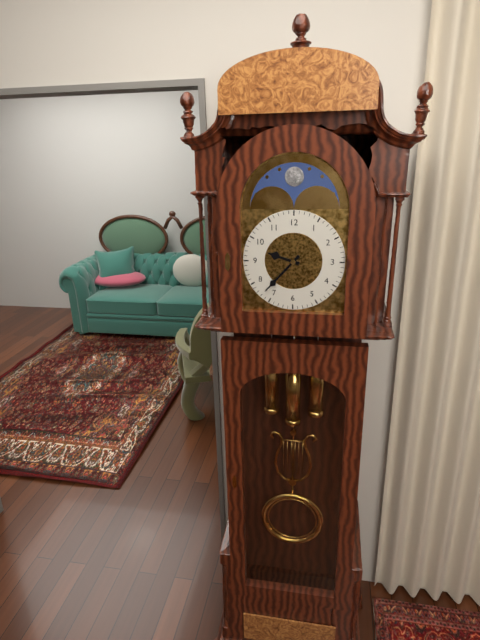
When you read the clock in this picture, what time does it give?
9:37
